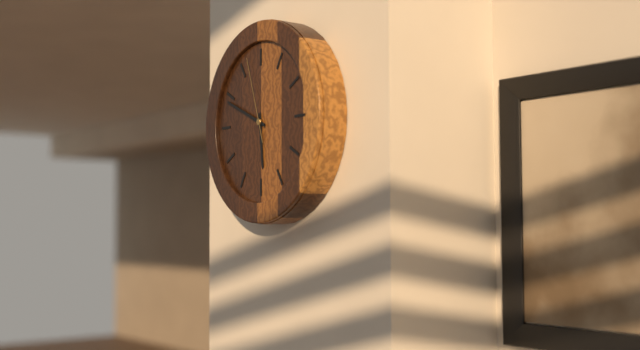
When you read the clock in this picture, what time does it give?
5:49:57
